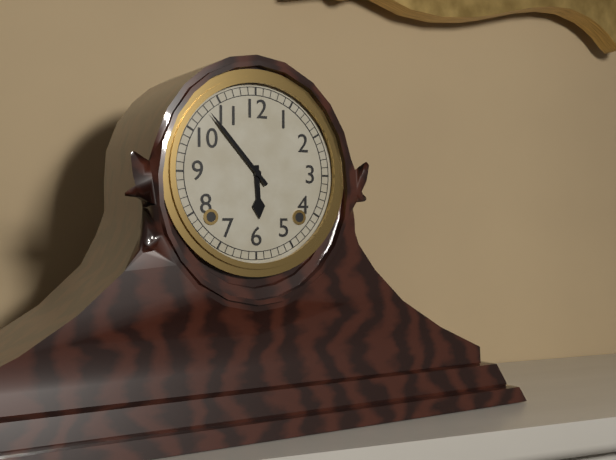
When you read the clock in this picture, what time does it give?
5:53
